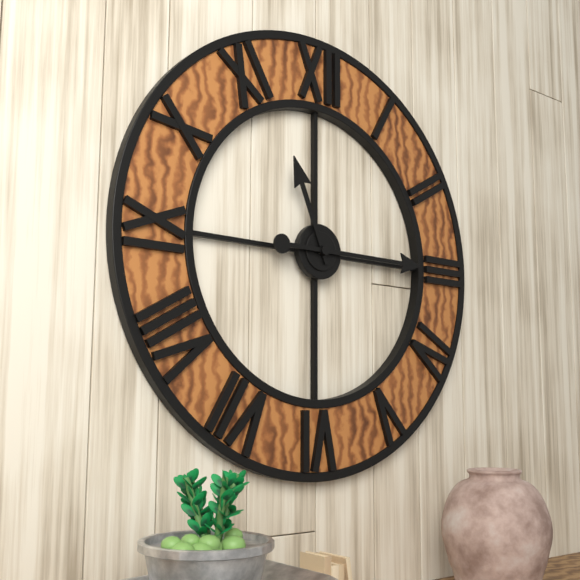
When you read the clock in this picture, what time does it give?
11:15
